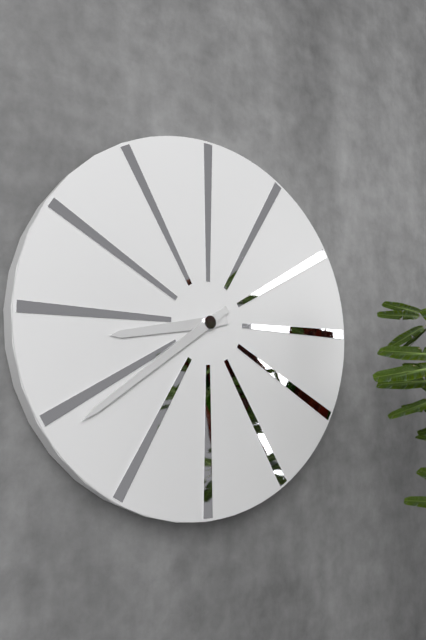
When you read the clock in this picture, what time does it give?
8:39
